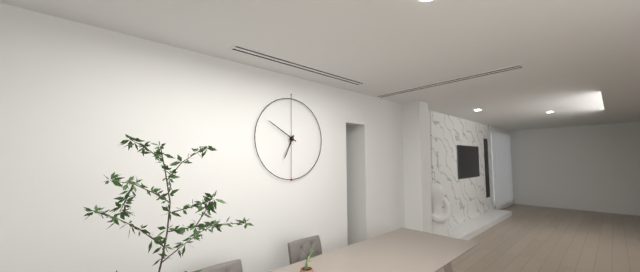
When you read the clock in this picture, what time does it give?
6:50
